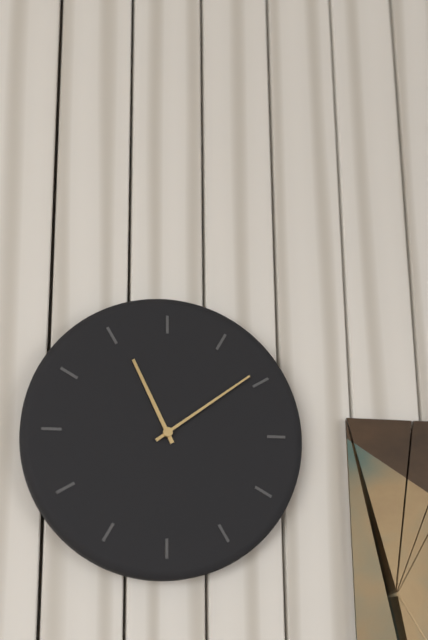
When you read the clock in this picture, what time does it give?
11:09
